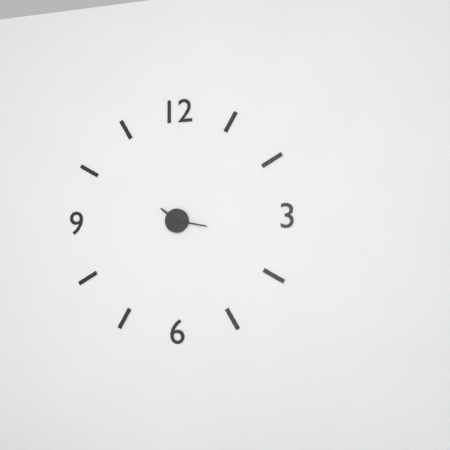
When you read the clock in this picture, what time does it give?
10:17
